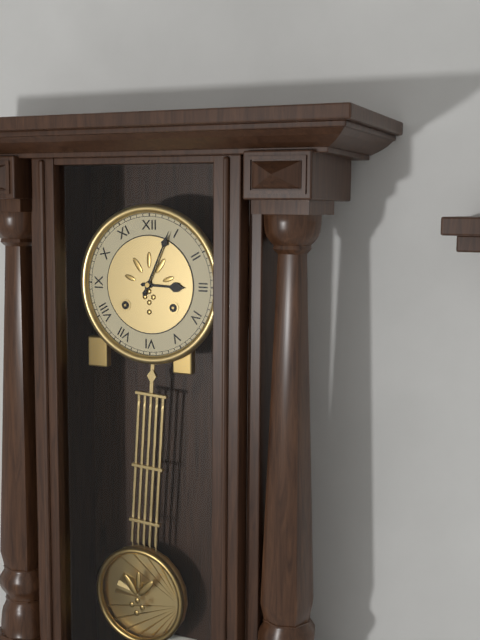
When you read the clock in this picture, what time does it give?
3:04
